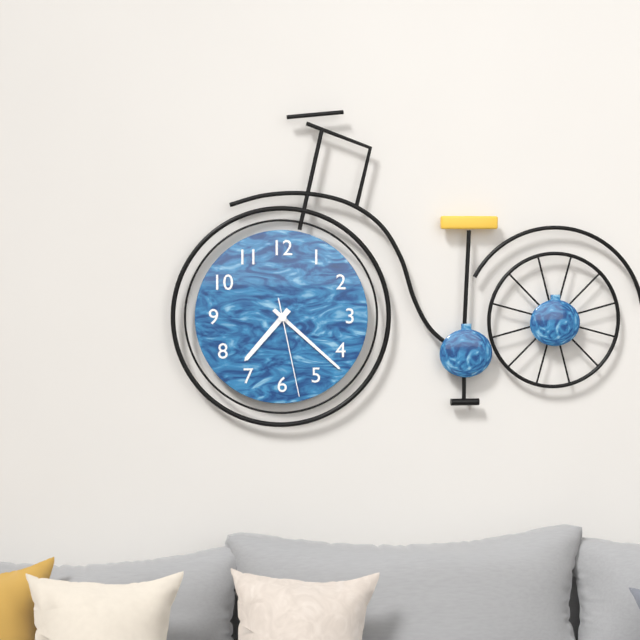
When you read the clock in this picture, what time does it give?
7:22:28
